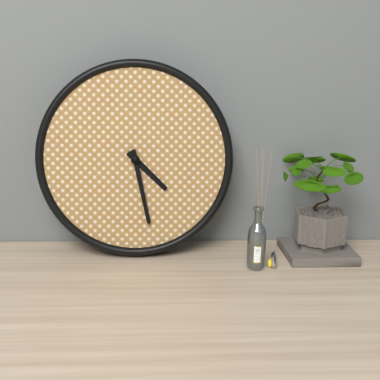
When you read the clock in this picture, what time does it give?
4:28
